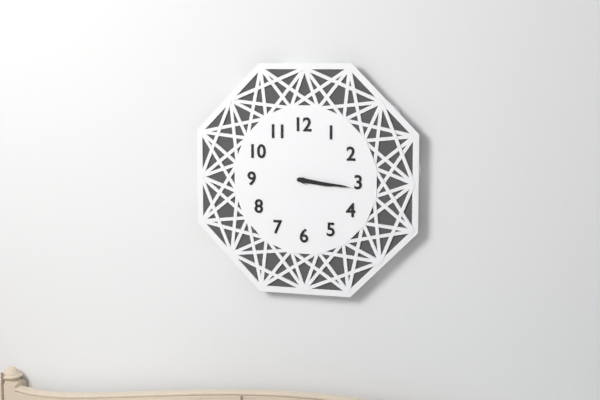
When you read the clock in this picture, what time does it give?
3:16
